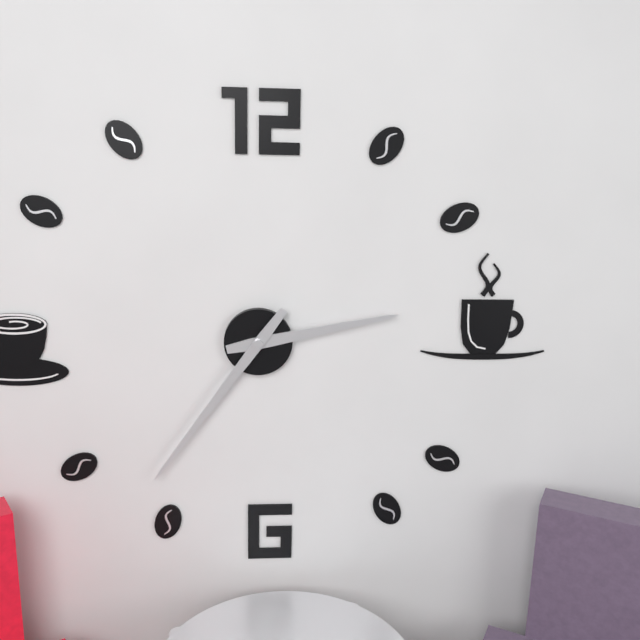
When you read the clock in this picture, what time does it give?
2:36
